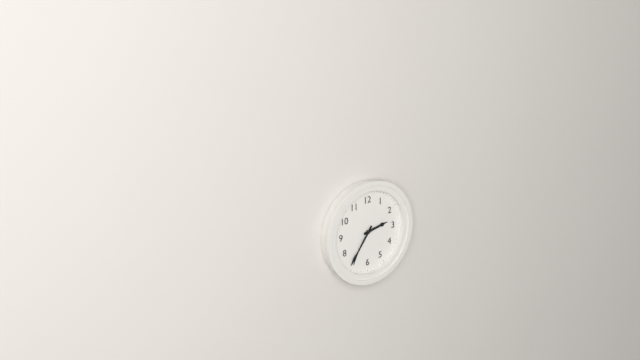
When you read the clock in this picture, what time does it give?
2:36
